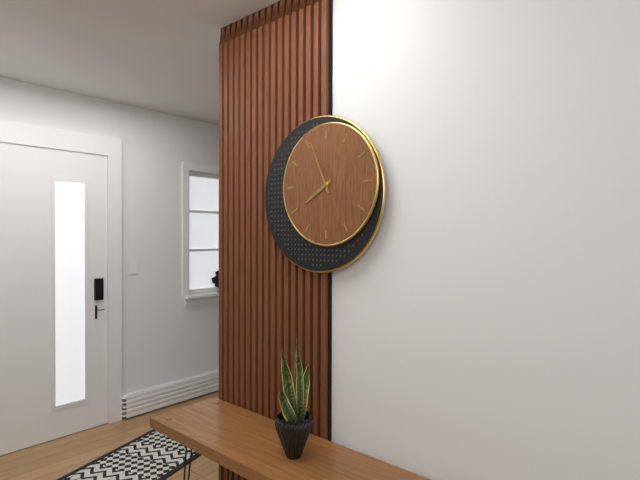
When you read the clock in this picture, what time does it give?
7:56
